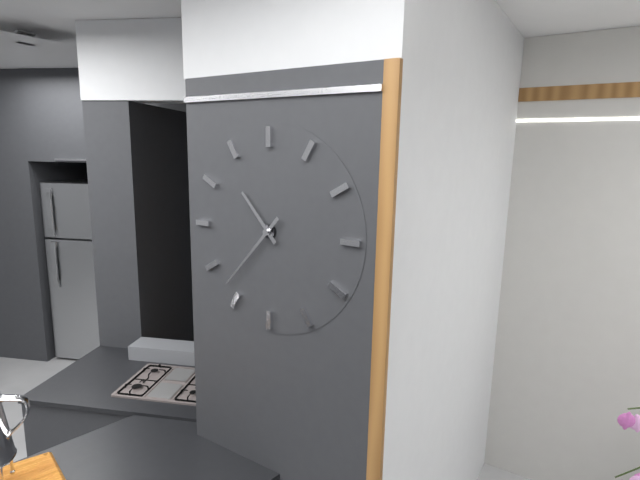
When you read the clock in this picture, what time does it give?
10:37
